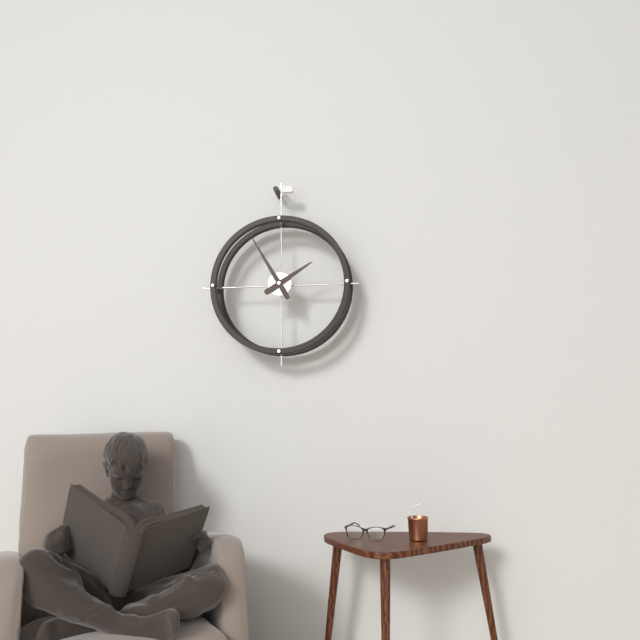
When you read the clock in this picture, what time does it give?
1:55
